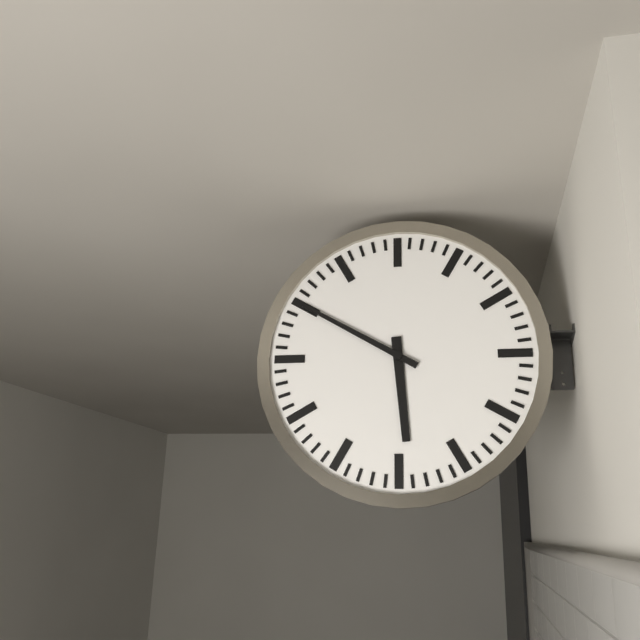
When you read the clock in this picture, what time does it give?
5:50
